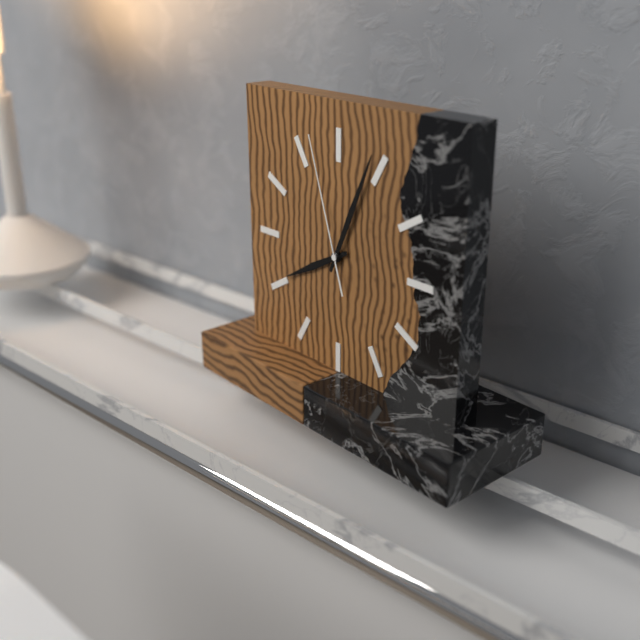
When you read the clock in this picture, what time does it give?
8:04:57
